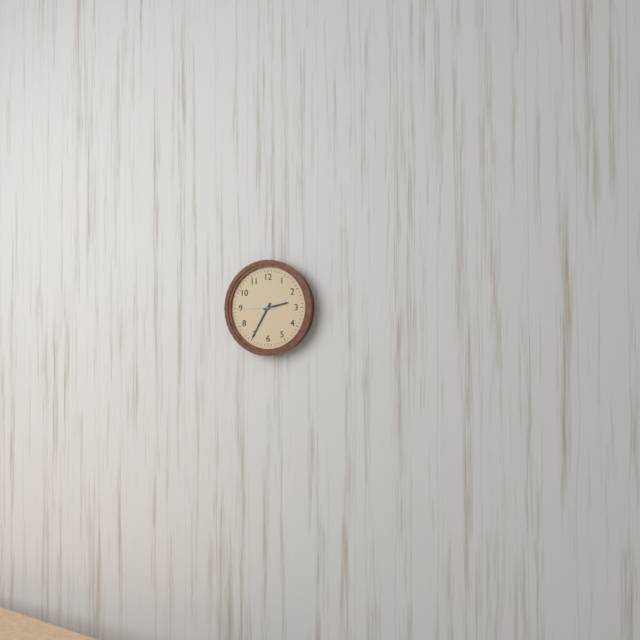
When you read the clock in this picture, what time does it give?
2:35
